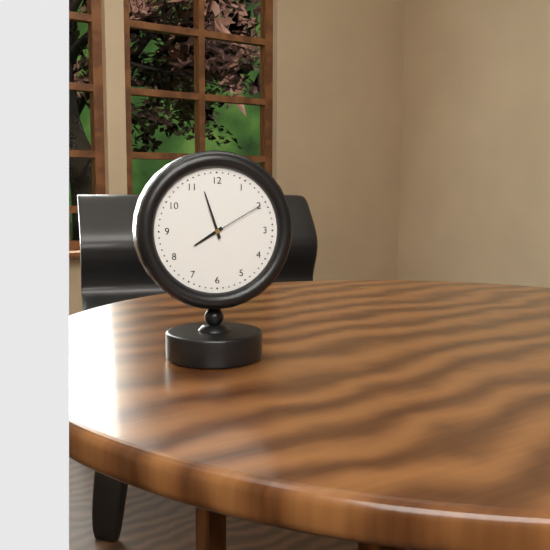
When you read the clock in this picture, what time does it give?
7:57:10
